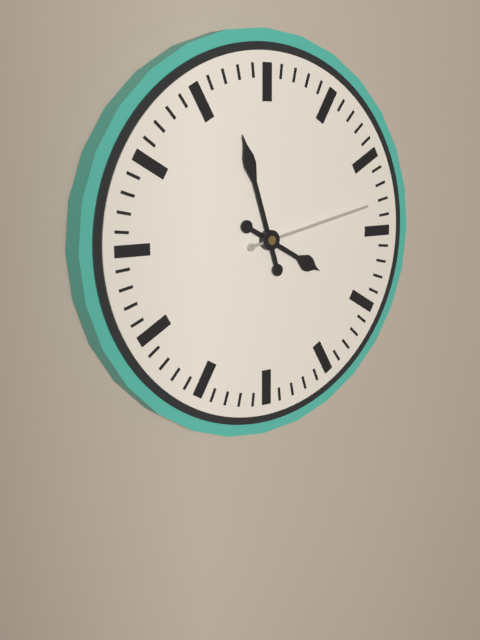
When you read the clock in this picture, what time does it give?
3:57:13
